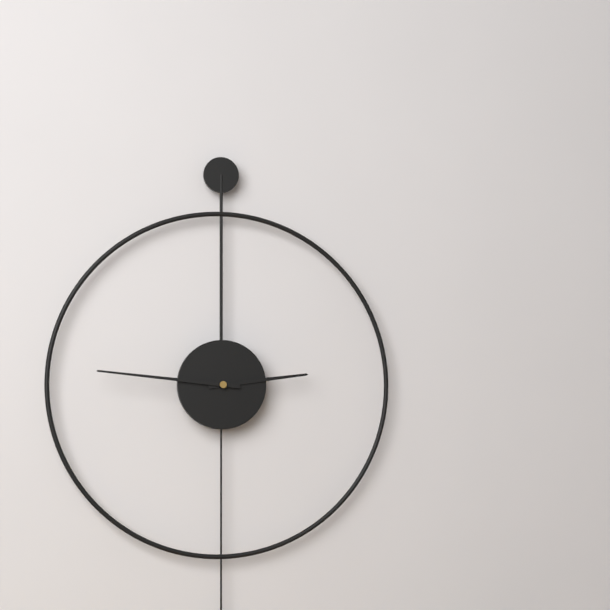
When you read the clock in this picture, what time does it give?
2:46
